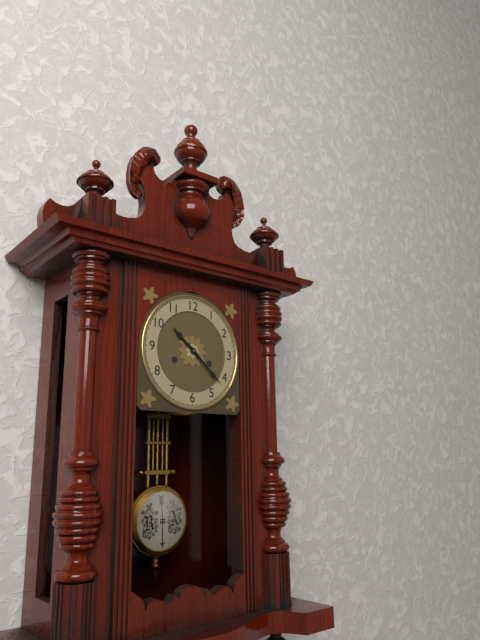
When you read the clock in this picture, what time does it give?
10:22
